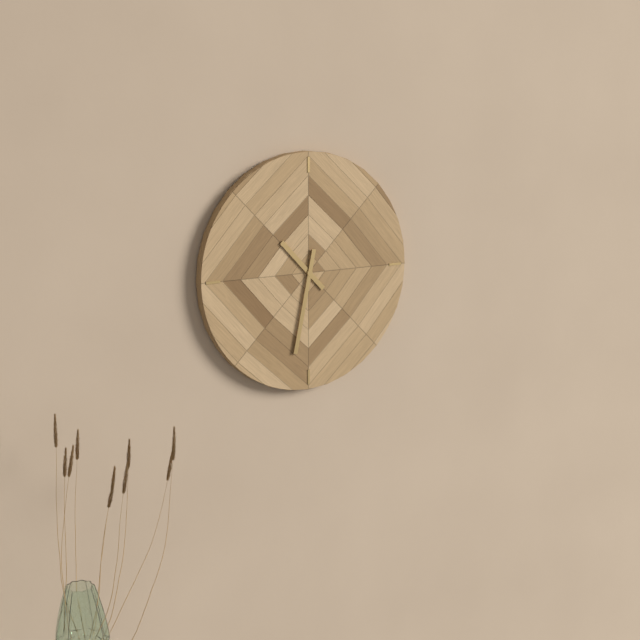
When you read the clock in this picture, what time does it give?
10:32
